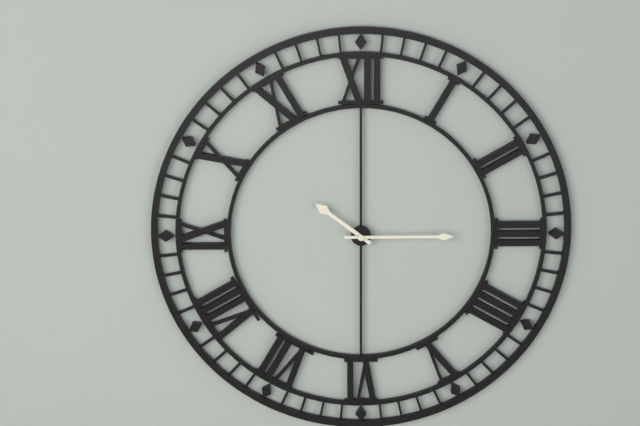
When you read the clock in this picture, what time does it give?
10:15
